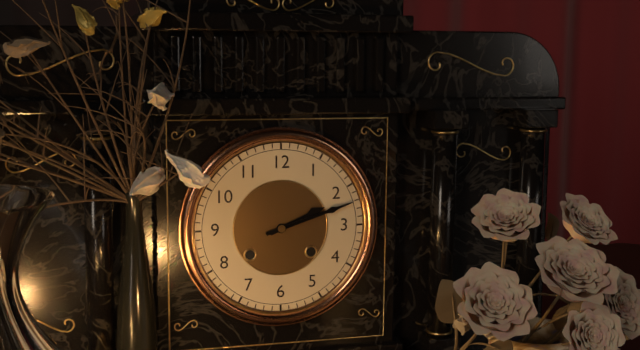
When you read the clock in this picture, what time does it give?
2:12
